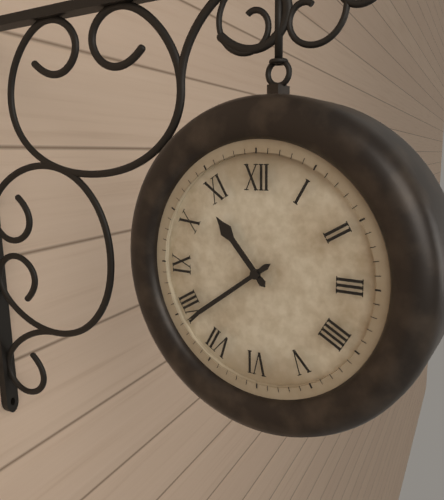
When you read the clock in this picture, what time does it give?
10:39
